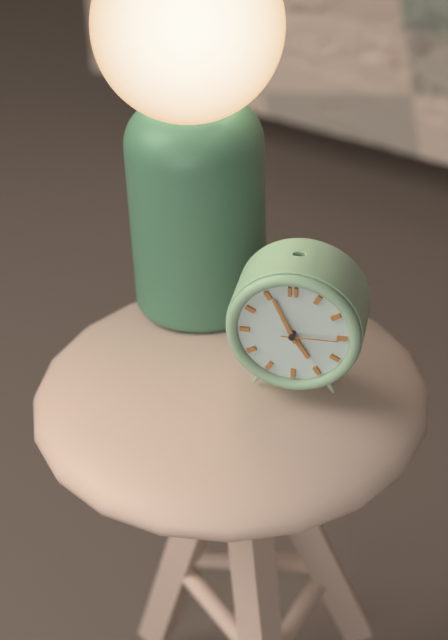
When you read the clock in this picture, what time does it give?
4:56:15
